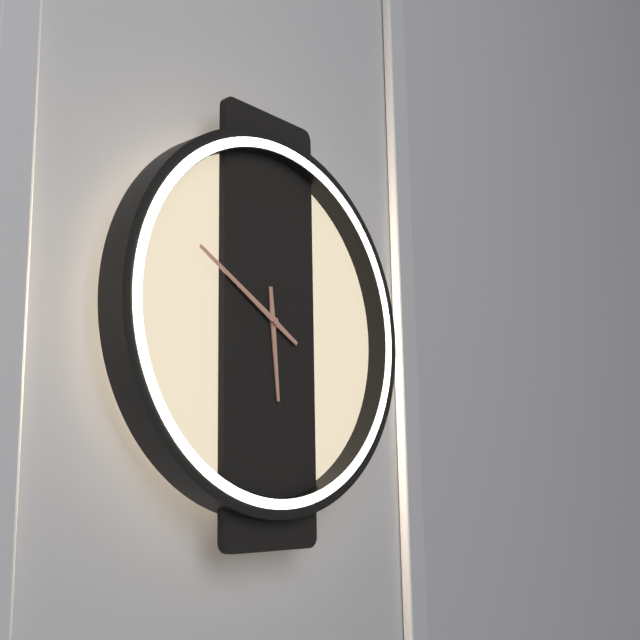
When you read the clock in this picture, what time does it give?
5:50
